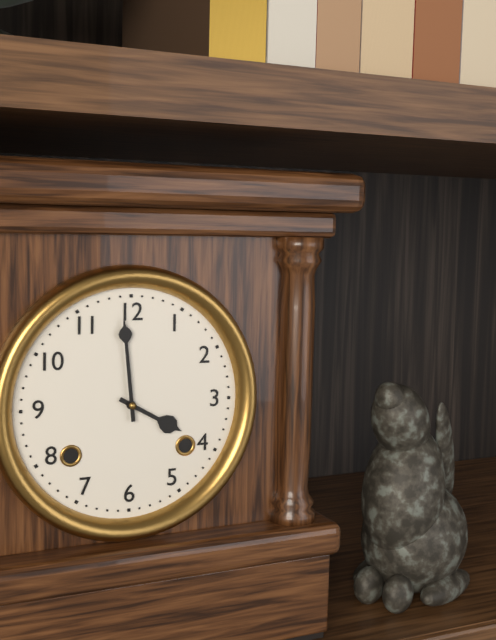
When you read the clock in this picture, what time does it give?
3:59
